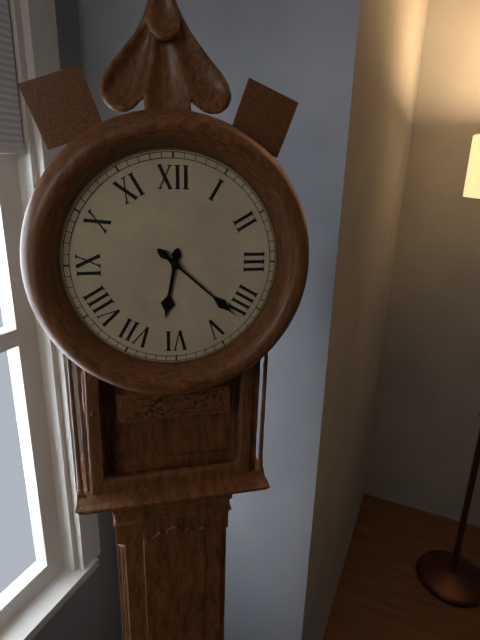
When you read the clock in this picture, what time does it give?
6:22
